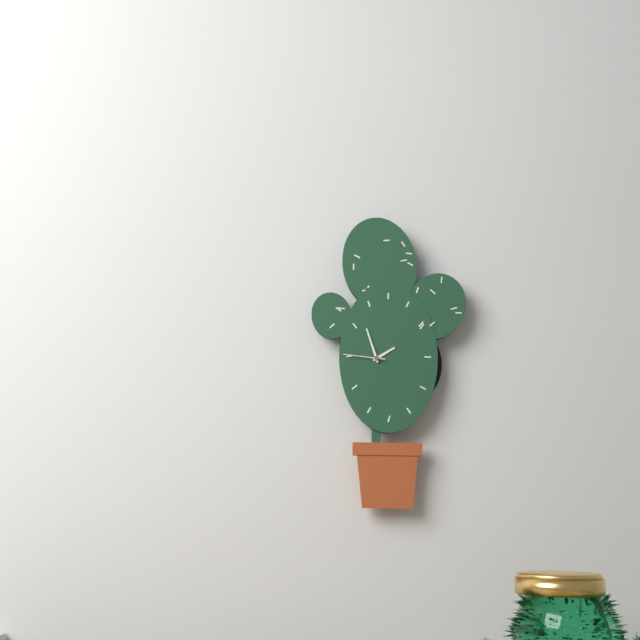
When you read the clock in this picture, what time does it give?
1:57
